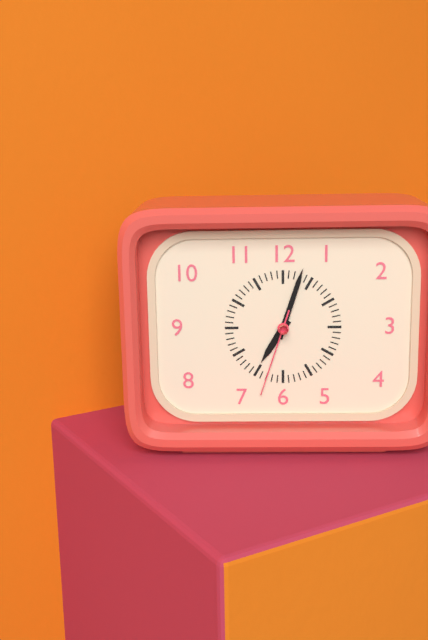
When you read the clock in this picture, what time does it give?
7:03:33
